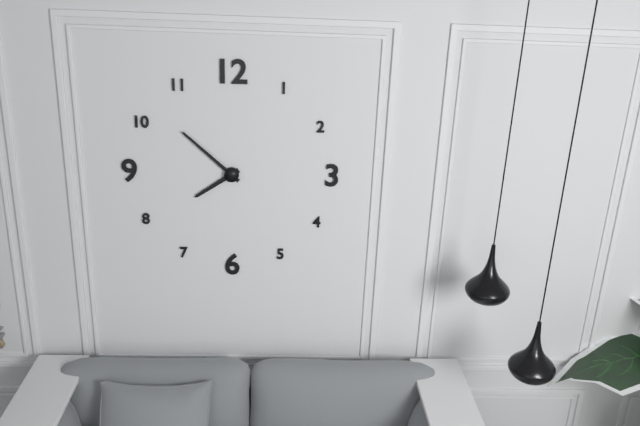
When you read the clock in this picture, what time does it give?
7:52
